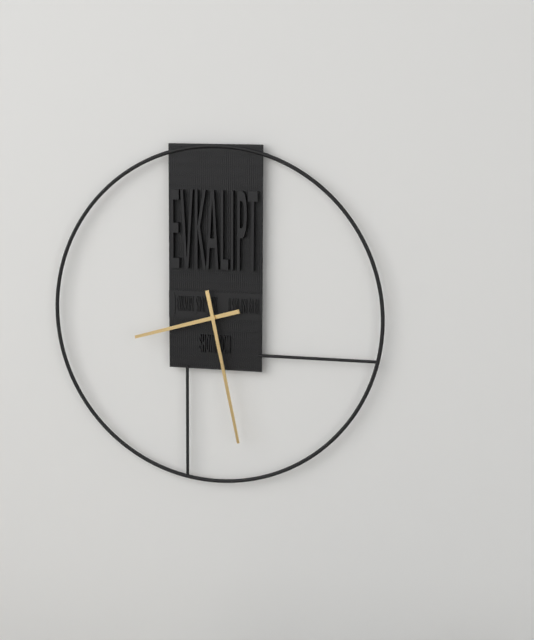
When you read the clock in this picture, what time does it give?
8:28
